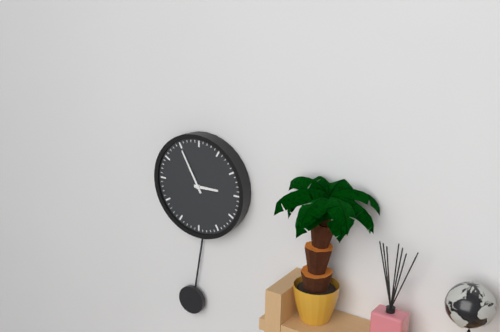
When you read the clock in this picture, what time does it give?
2:55
